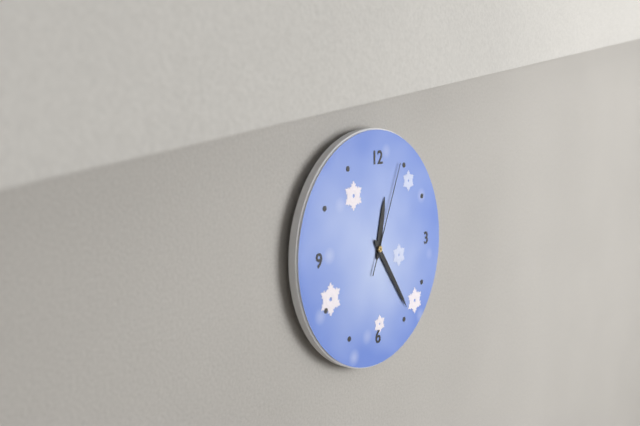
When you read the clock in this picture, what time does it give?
12:24:04
